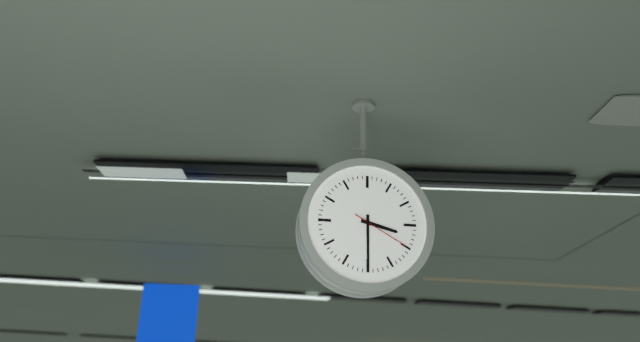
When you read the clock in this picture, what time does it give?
3:30:20
